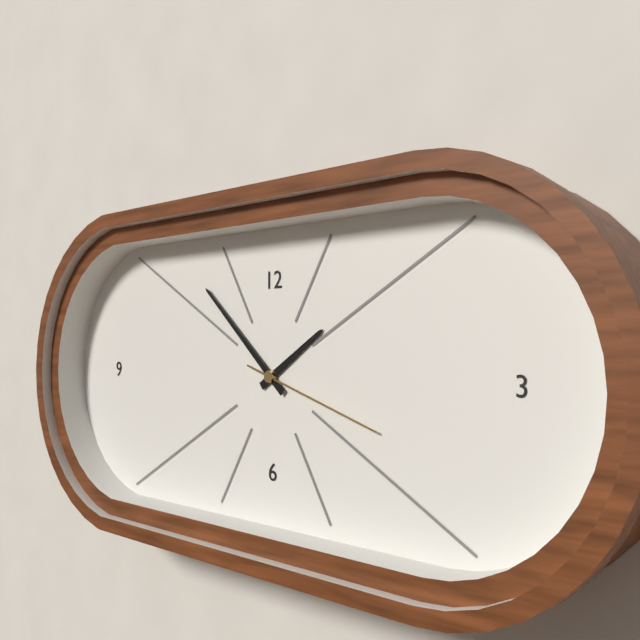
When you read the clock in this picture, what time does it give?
1:52:18
